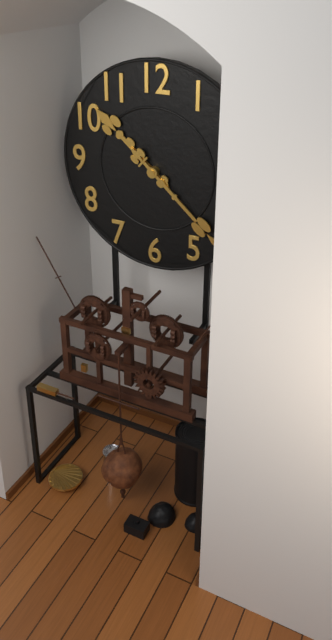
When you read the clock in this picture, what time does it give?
10:22
